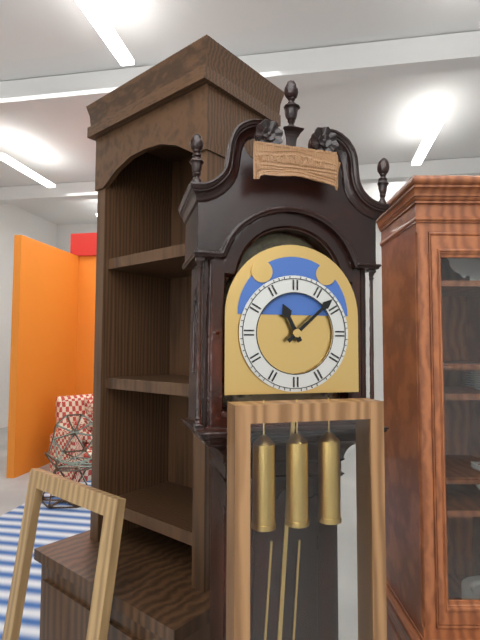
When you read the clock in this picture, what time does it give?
11:08
